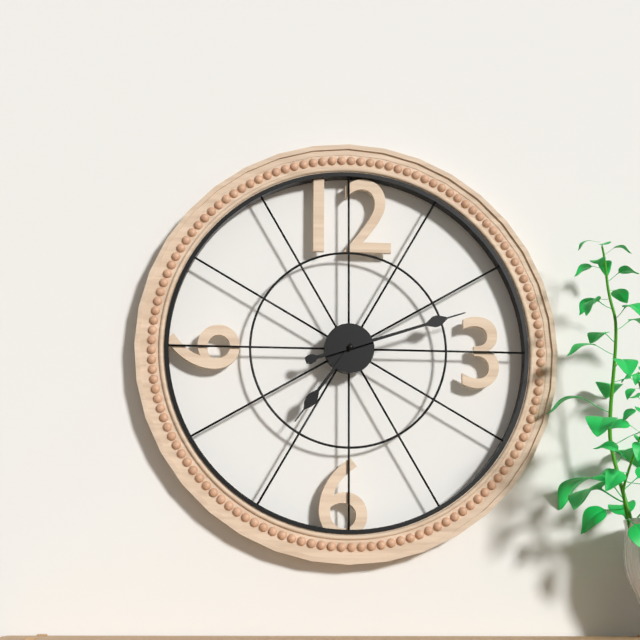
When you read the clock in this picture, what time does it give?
7:12
